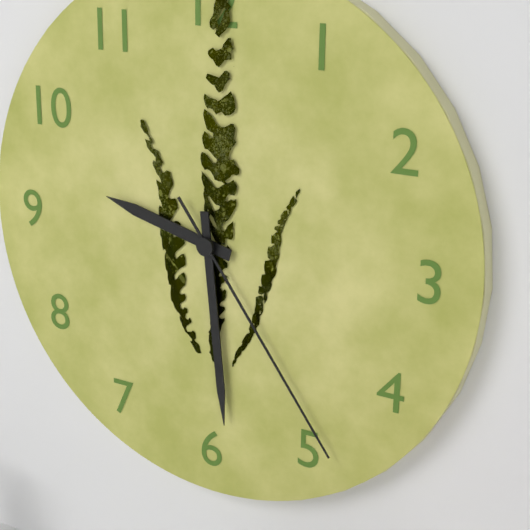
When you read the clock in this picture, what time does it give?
9:29:24
